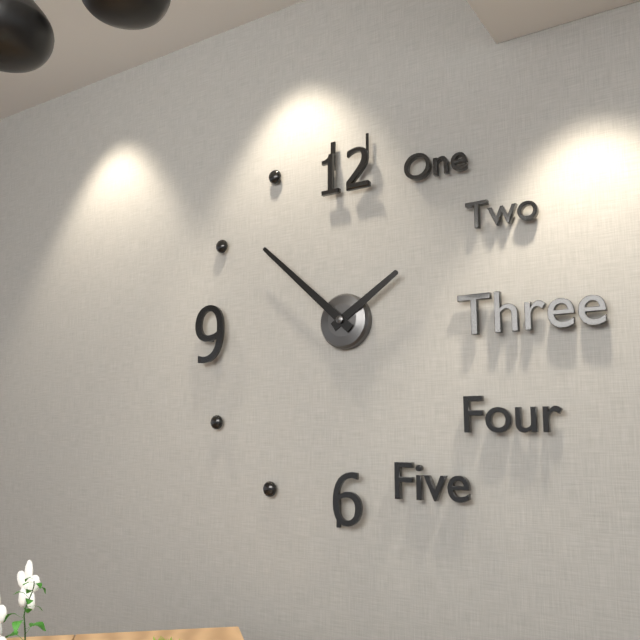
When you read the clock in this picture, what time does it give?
1:52
